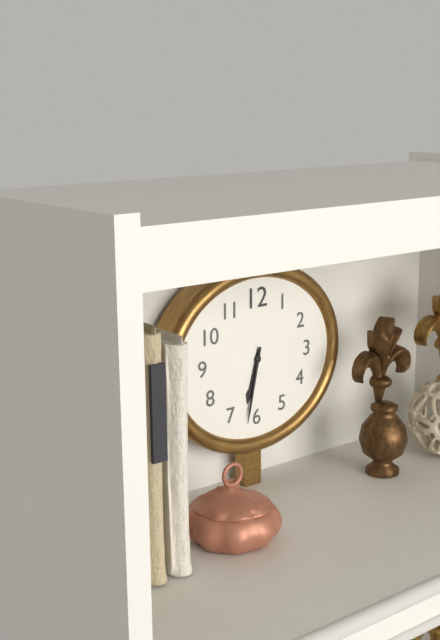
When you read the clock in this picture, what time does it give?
6:32
